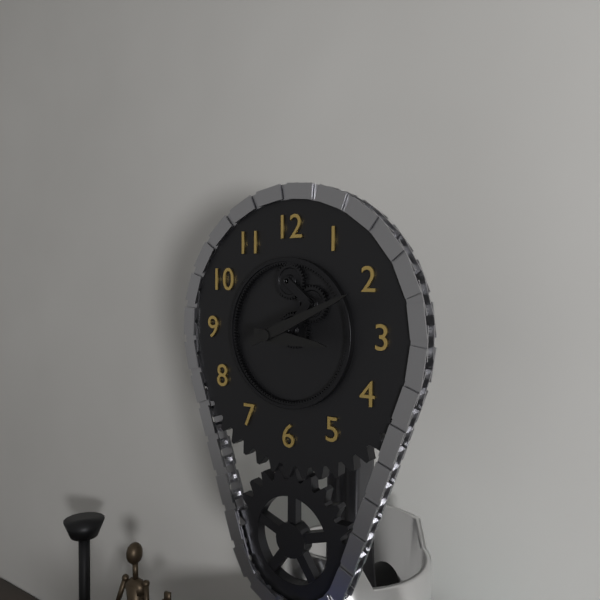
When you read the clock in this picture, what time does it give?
3:11
